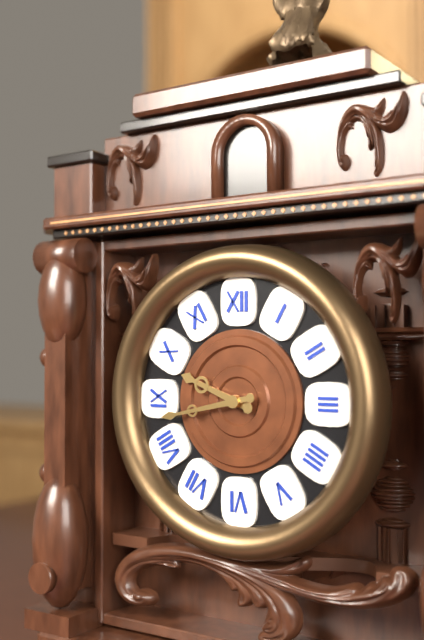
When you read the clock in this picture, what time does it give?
9:43
